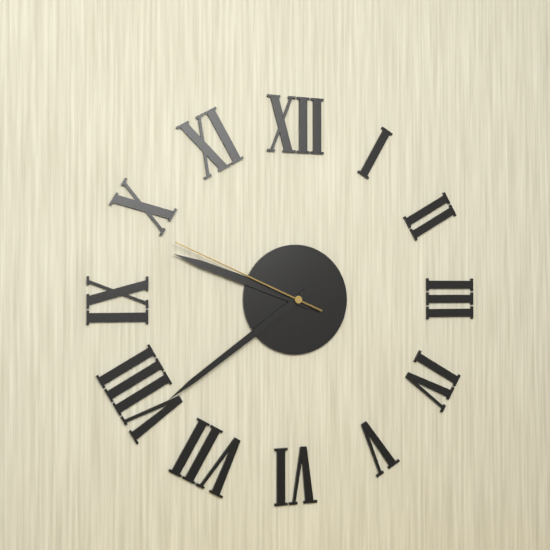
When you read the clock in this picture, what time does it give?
9:39:49
